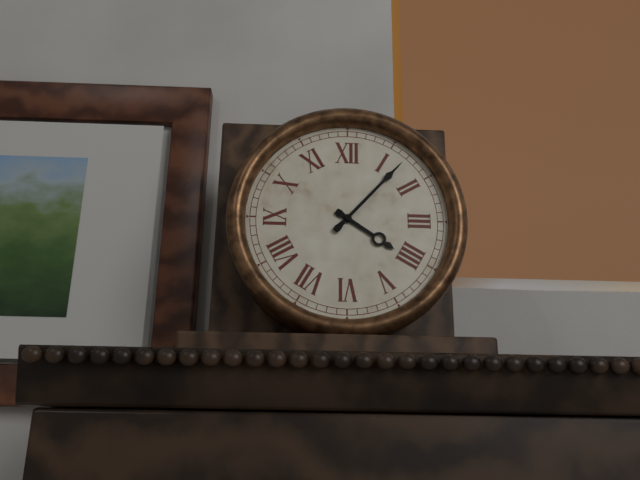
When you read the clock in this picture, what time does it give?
4:07
